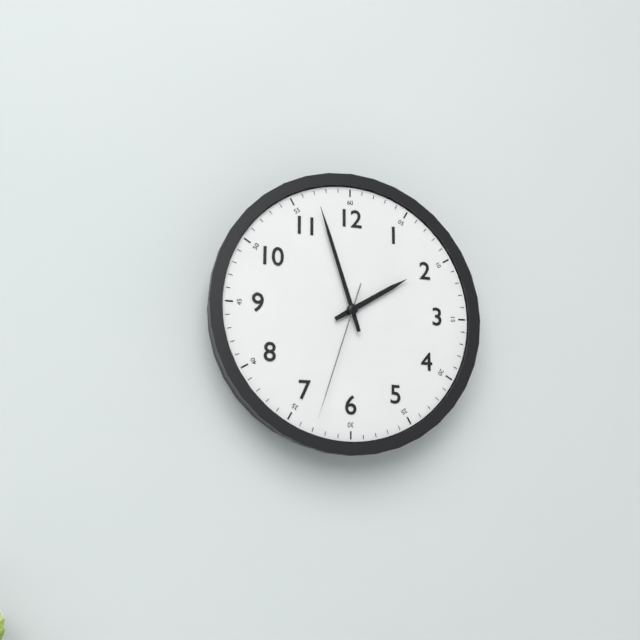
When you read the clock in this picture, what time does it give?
1:57:33
